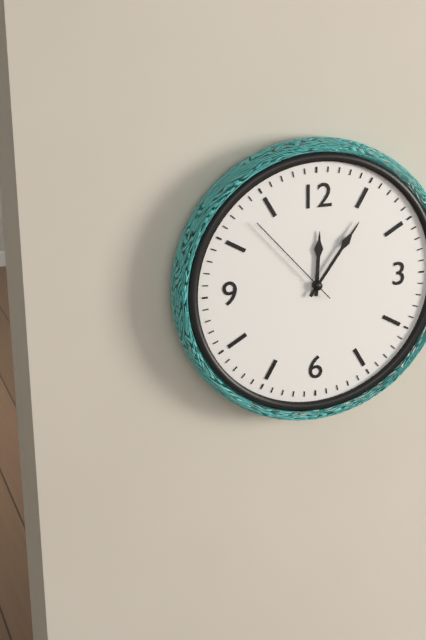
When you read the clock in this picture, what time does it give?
12:06:53
